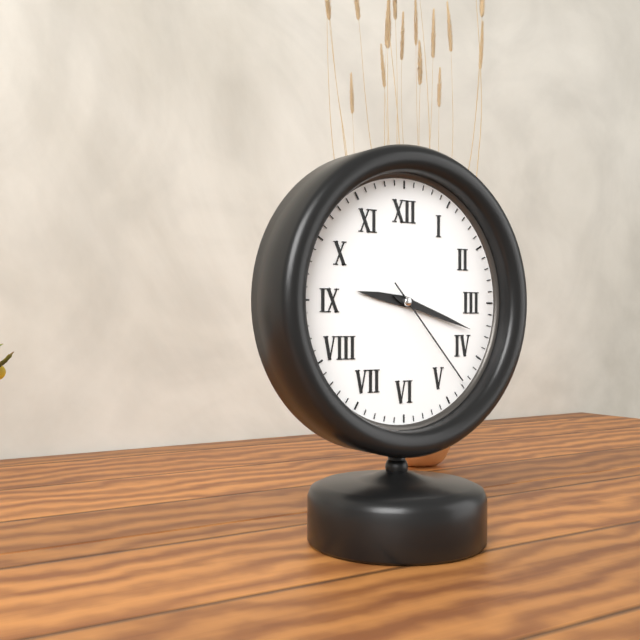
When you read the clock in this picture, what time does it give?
9:18:23
